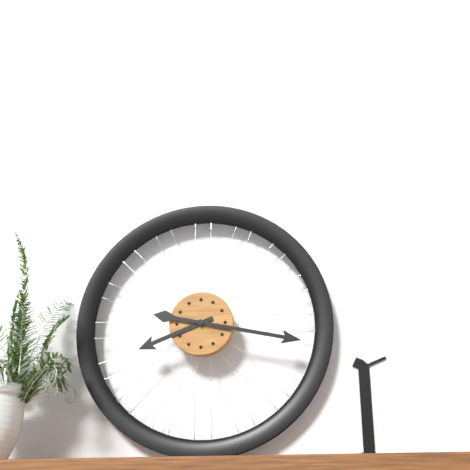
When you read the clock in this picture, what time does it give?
8:17
